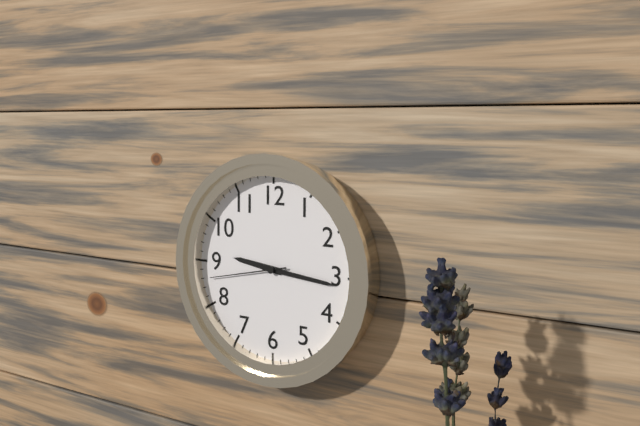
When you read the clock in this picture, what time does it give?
9:16:43
